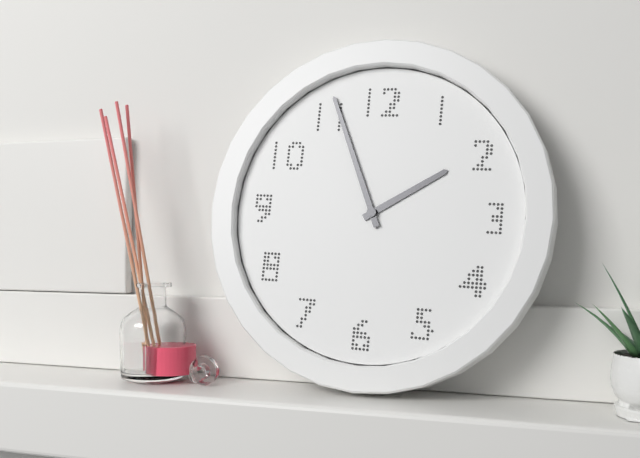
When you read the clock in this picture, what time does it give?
1:56
